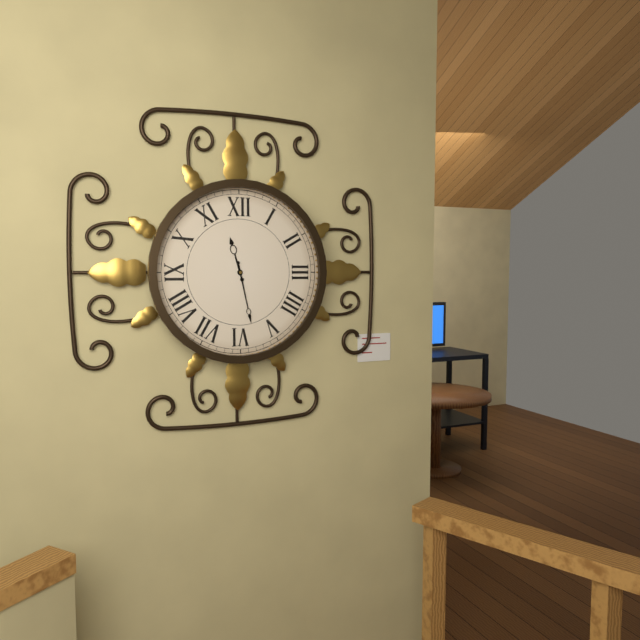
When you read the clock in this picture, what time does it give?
11:28
